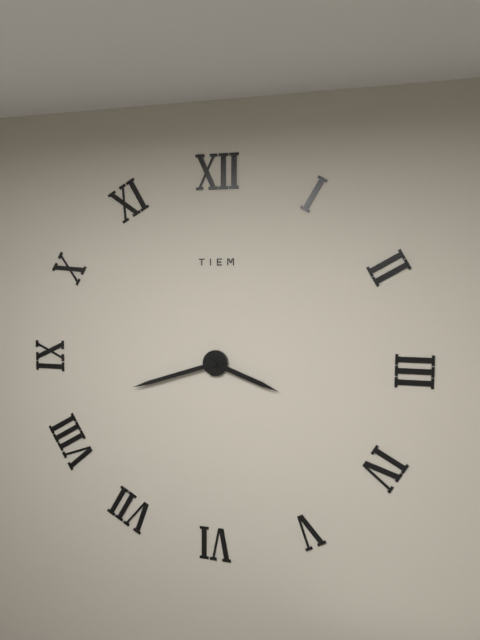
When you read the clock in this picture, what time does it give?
3:42
